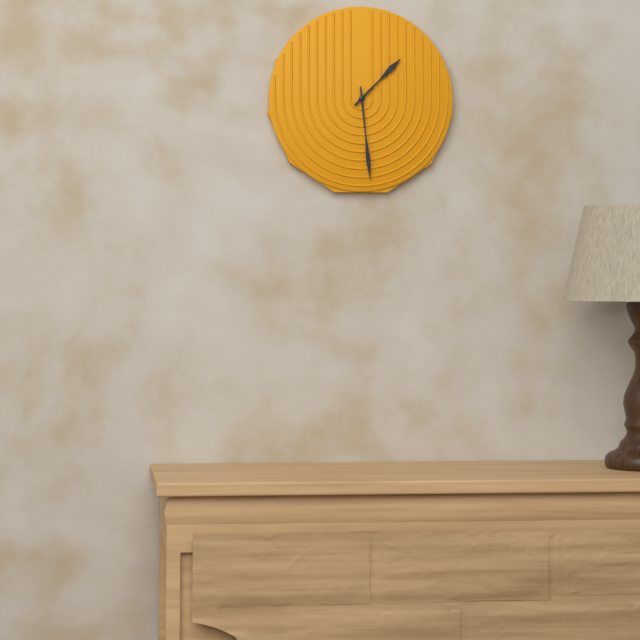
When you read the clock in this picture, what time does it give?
1:29
